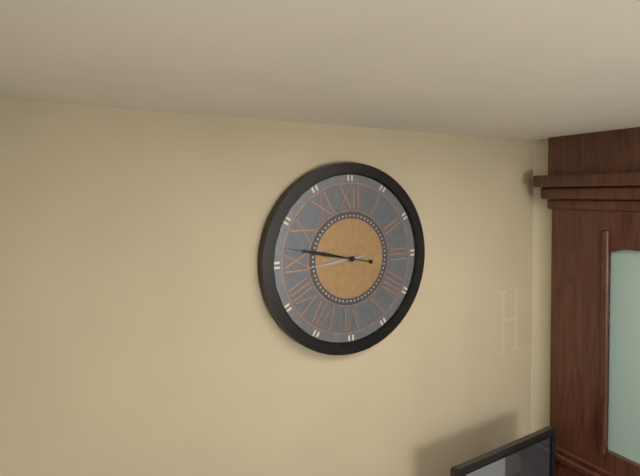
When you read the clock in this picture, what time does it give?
8:47
